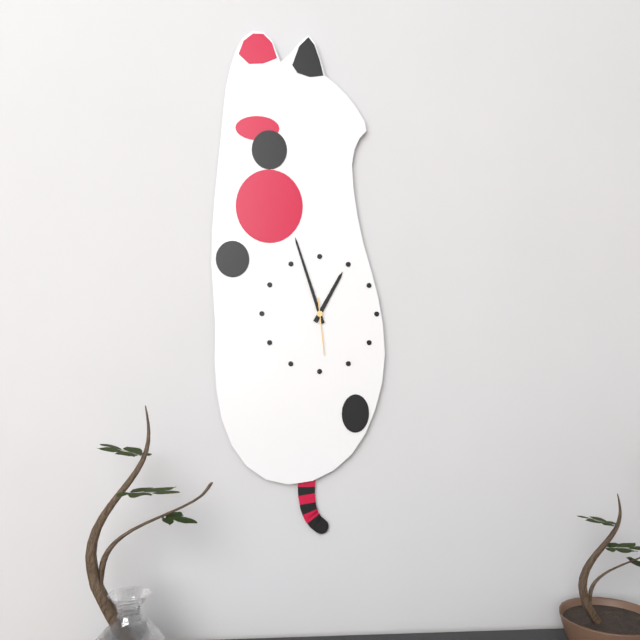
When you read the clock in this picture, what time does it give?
12:57:29
